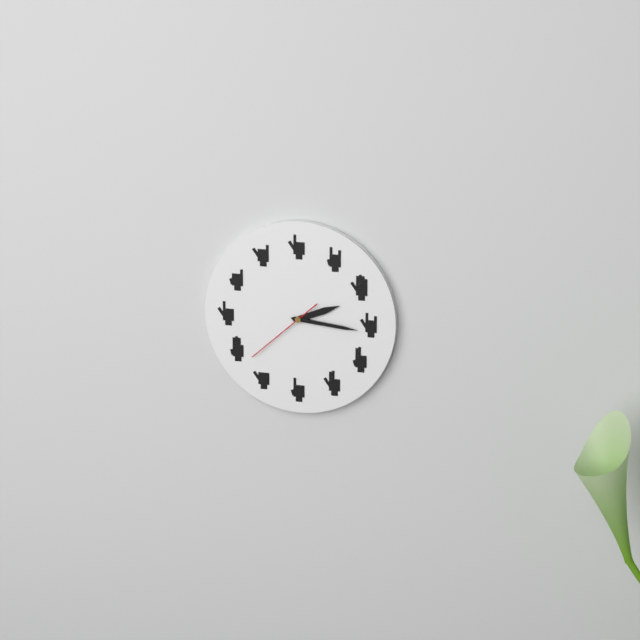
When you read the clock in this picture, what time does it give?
2:16:38
